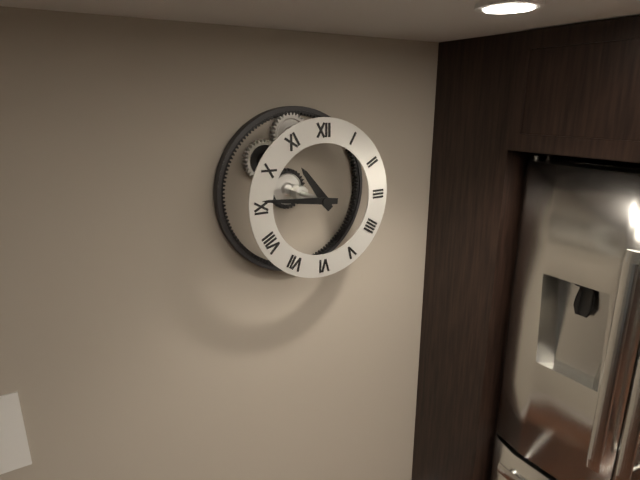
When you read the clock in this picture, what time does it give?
10:46
